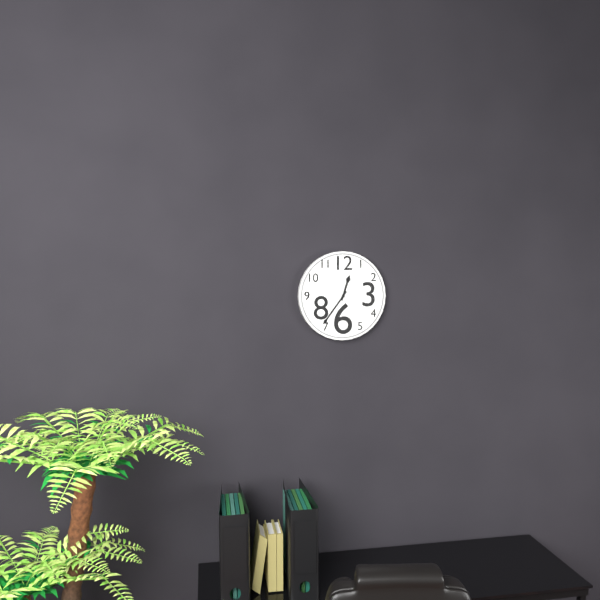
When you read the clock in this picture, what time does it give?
12:36
